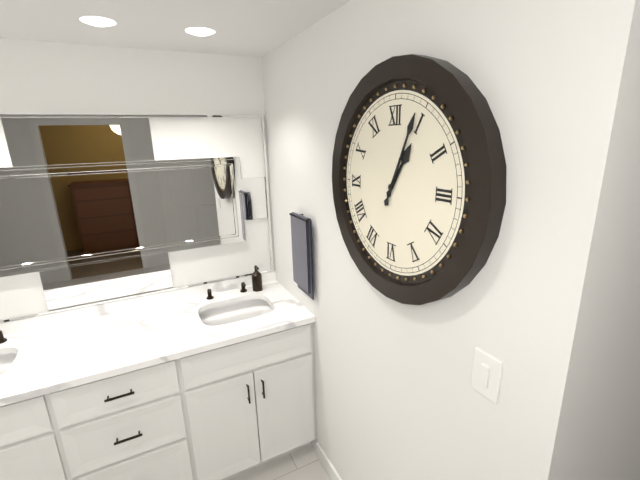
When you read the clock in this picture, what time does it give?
1:04
